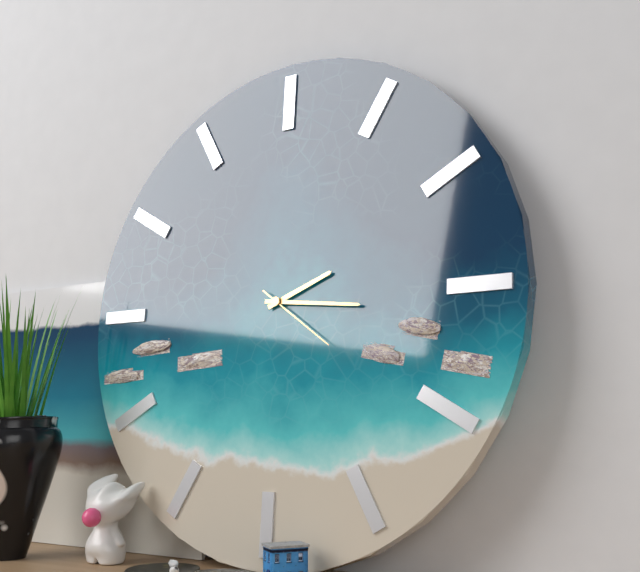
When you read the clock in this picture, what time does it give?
2:16:21
